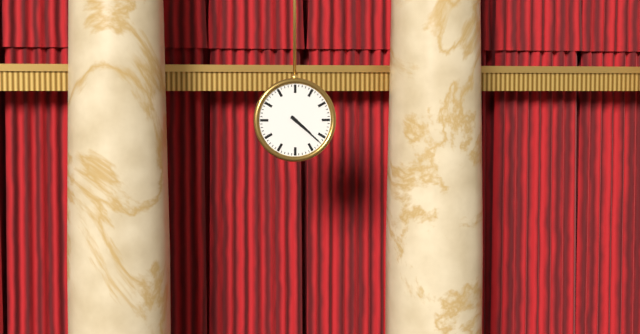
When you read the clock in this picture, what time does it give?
4:22
